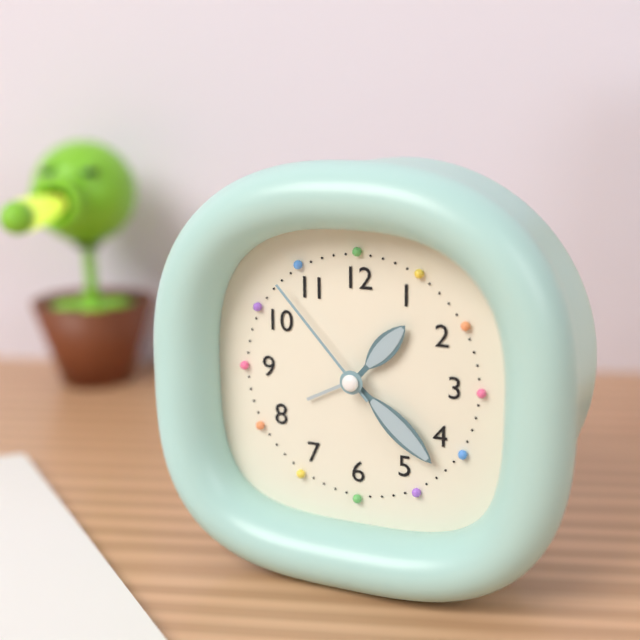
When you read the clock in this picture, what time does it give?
1:22:53
